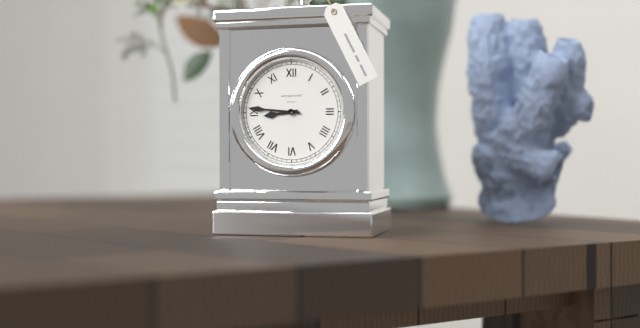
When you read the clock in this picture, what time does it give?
8:46
